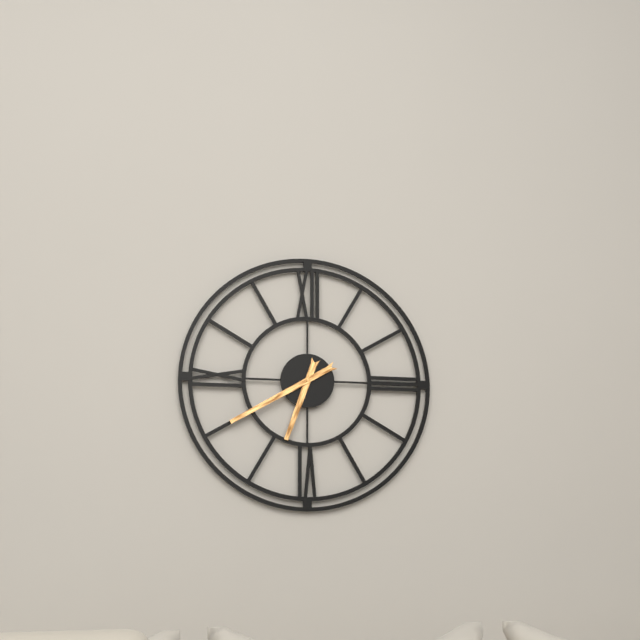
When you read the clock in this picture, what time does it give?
6:40
